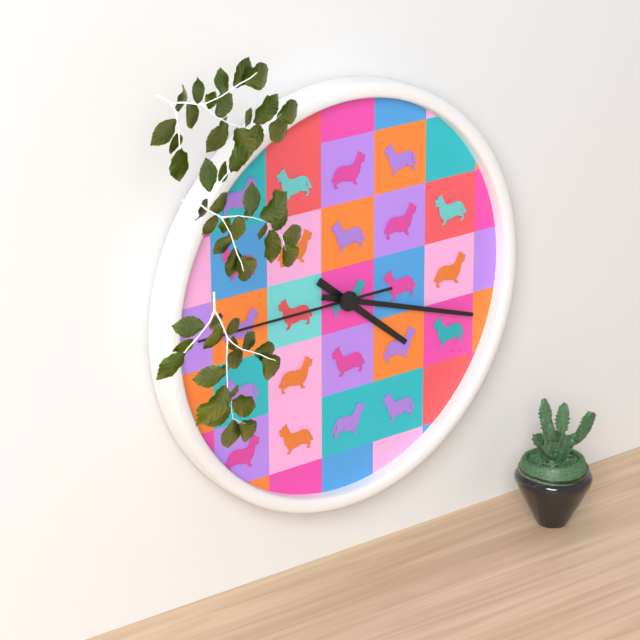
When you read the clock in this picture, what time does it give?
4:18:45
